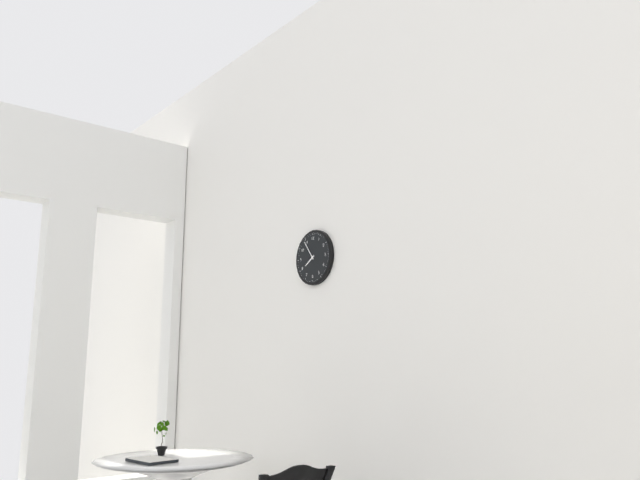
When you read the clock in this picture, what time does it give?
7:54
